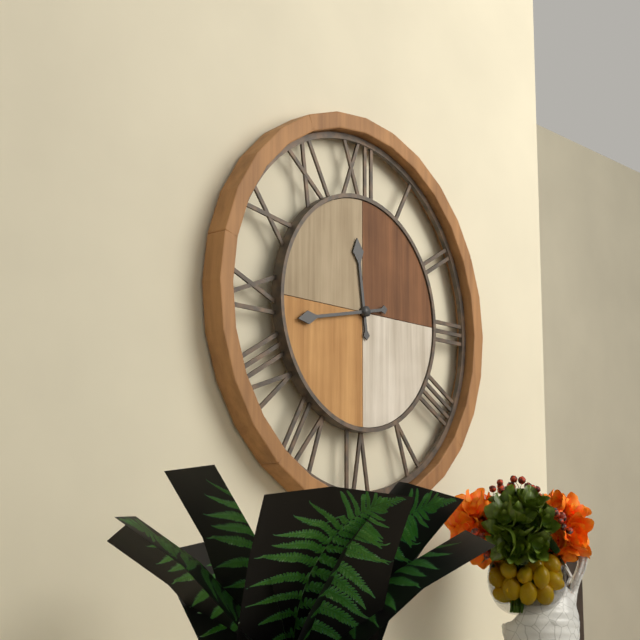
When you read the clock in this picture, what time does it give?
11:43
